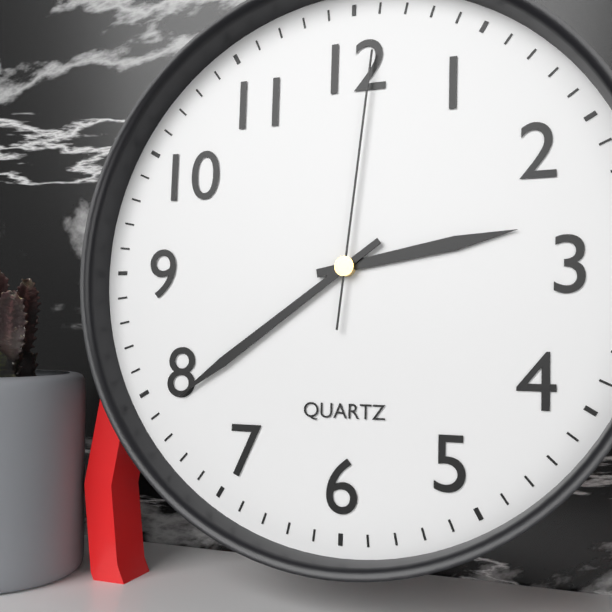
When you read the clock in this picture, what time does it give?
2:39:01
